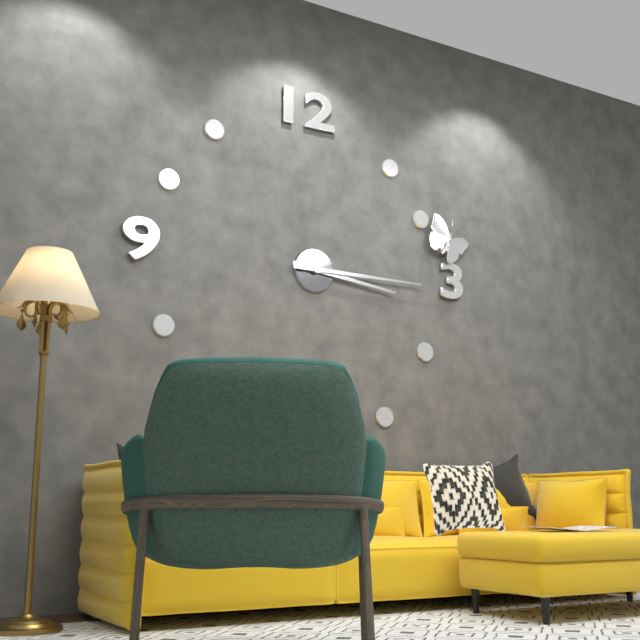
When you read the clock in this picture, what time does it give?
3:15
